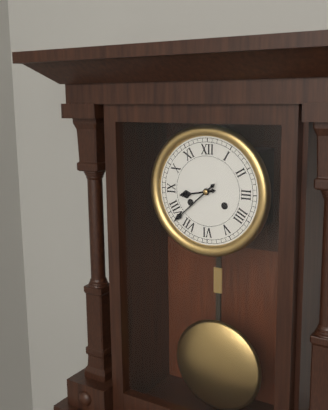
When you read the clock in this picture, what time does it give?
8:38
